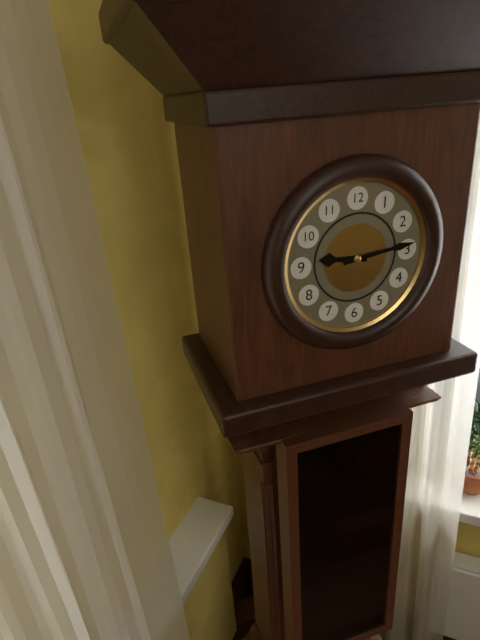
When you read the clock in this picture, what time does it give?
9:14
